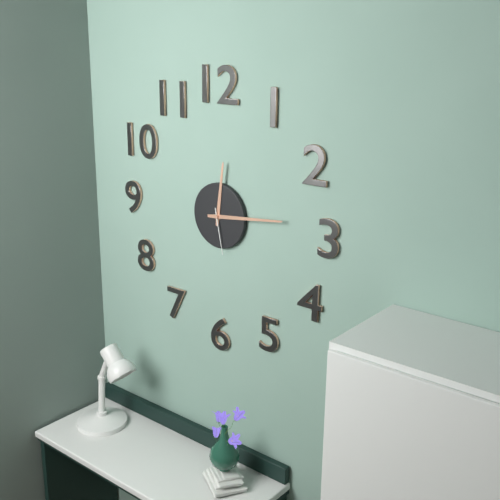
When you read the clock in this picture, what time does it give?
12:14
